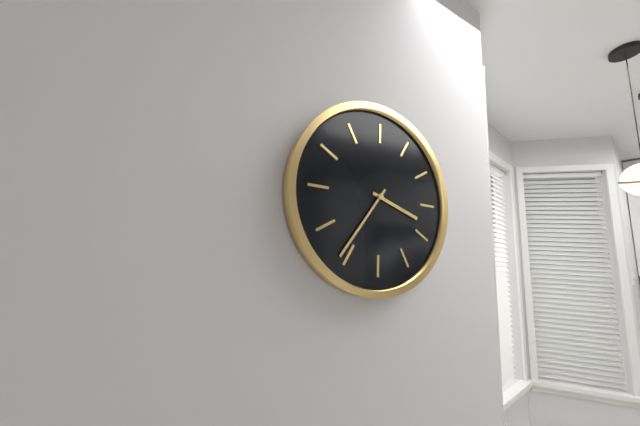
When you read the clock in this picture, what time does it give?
3:36
